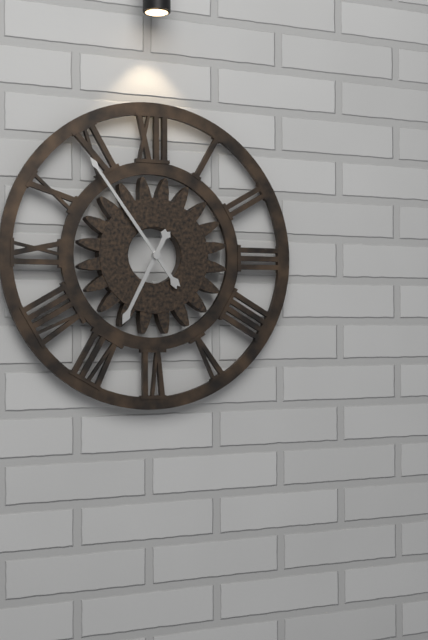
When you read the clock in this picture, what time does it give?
6:54
